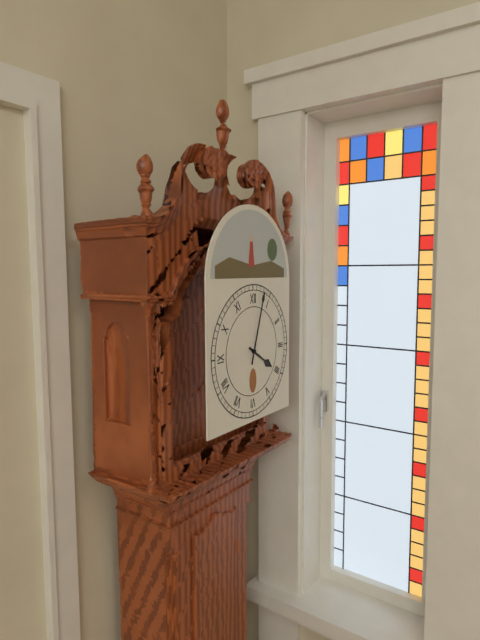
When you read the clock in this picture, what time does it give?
4:03
